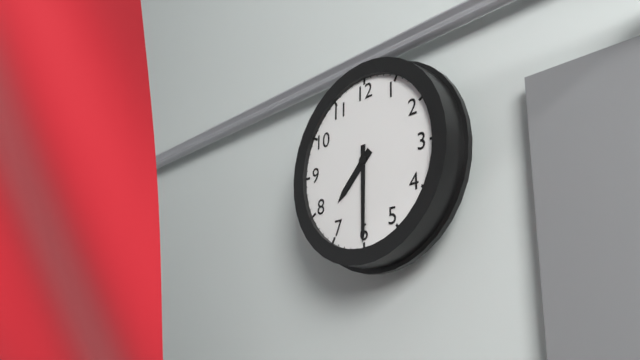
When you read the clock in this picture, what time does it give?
7:30
